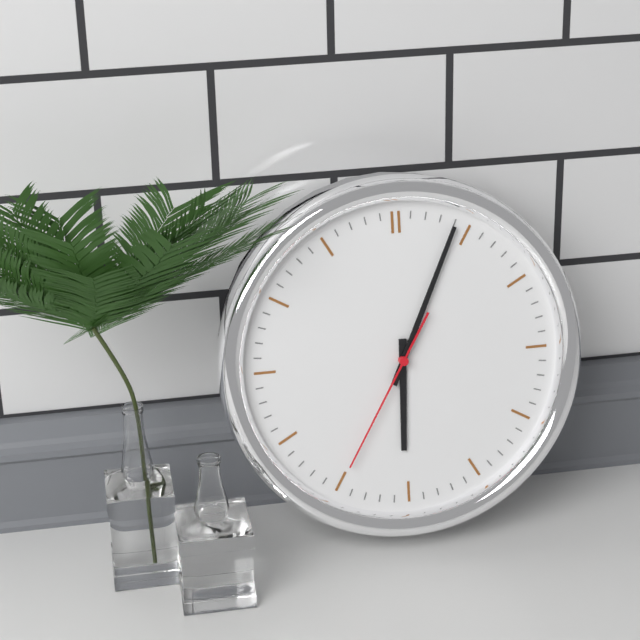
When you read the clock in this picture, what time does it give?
6:04:35
